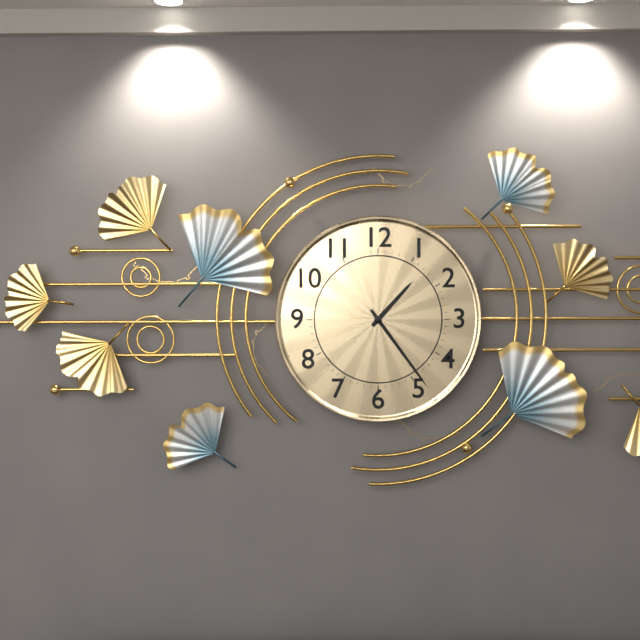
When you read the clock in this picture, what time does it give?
1:24
